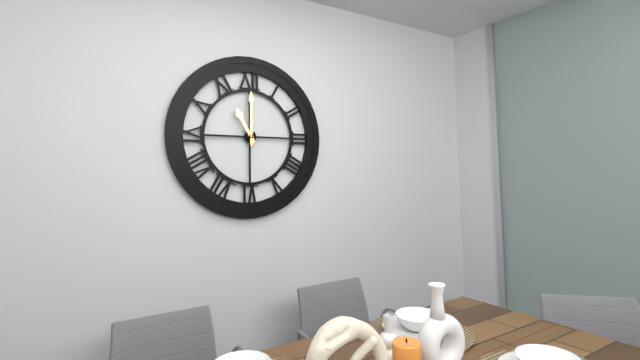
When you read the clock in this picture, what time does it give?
11:00
